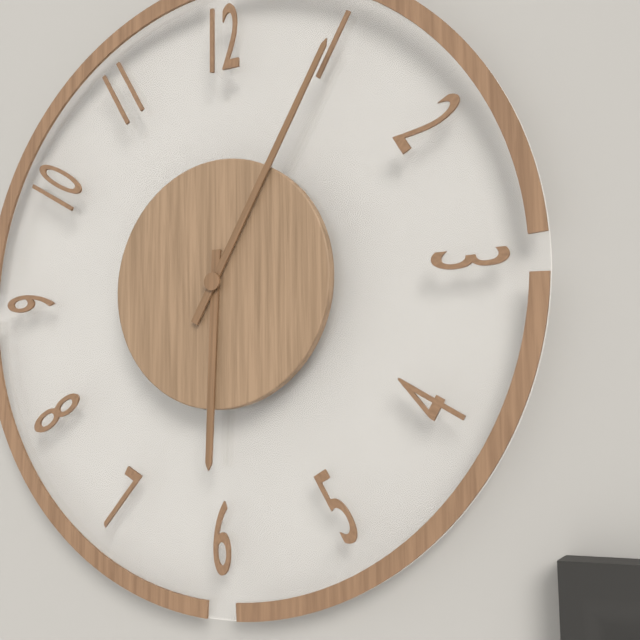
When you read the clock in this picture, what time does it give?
6:05
